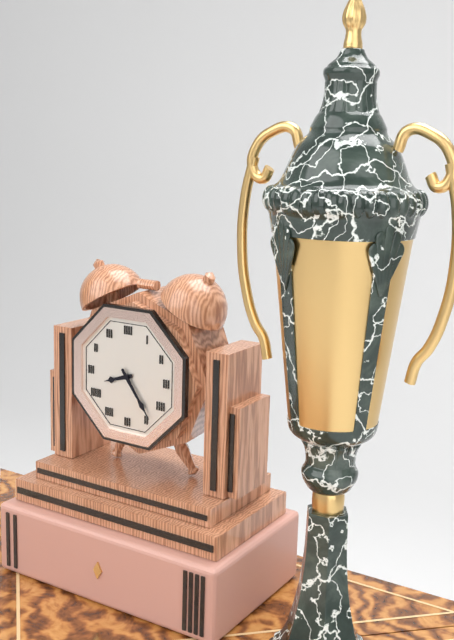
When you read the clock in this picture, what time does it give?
8:24
